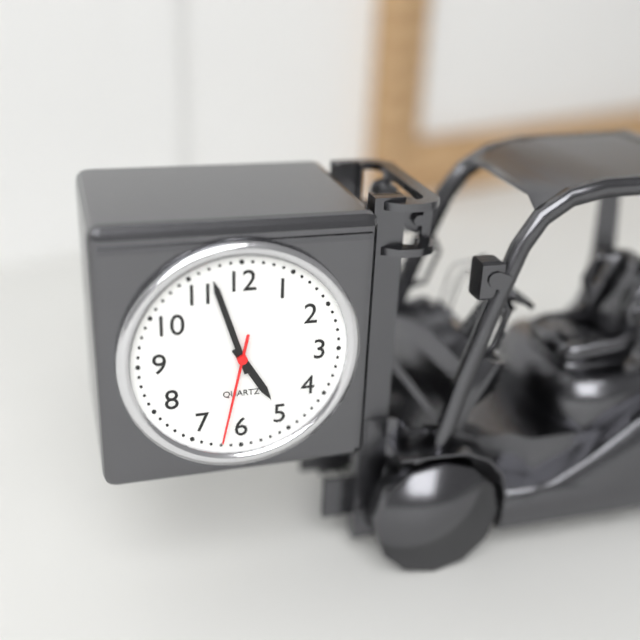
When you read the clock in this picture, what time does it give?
4:57:32
